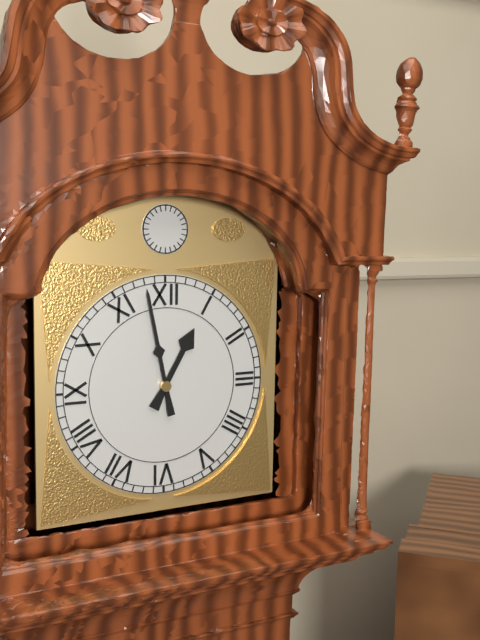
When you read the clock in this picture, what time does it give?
12:58
